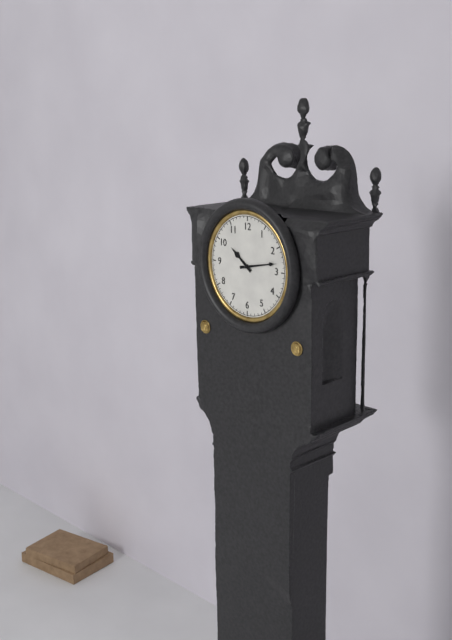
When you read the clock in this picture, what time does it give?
10:13
